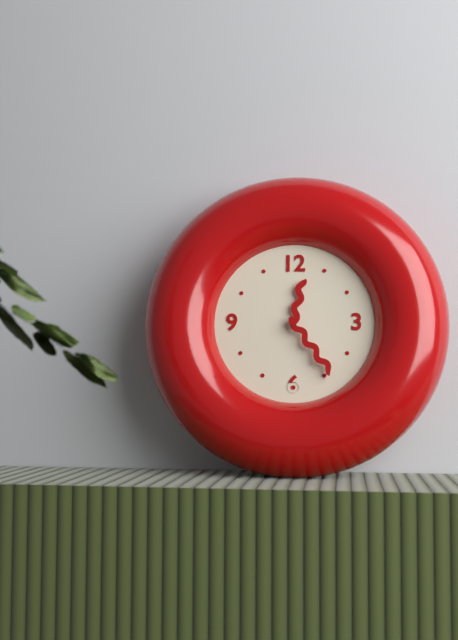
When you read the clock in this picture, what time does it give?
12:24
